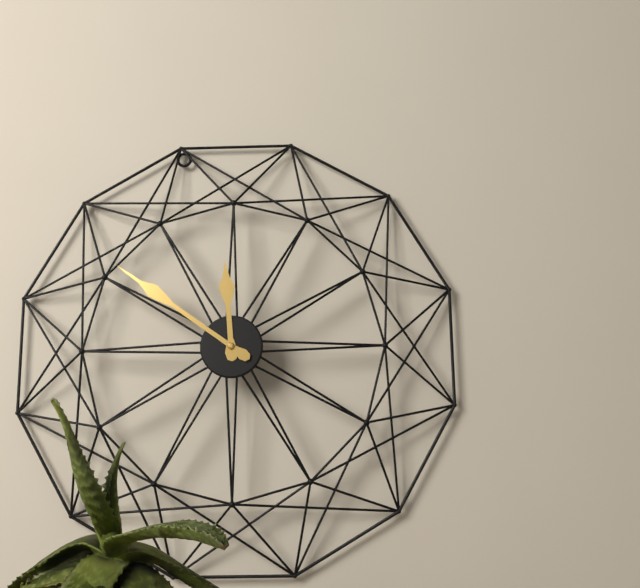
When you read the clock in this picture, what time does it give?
11:51
